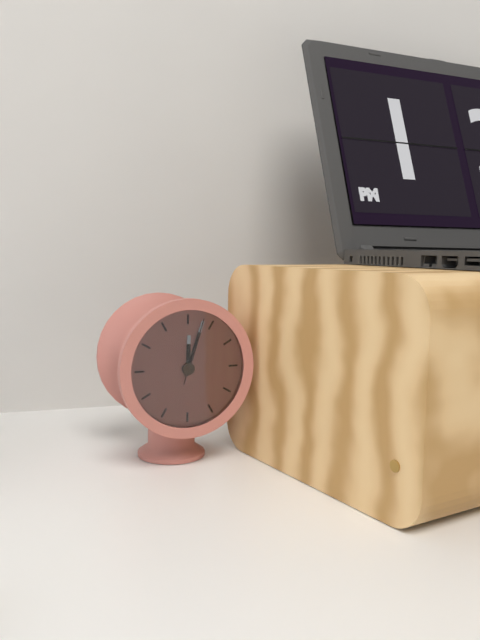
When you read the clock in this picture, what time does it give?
12:03:03
